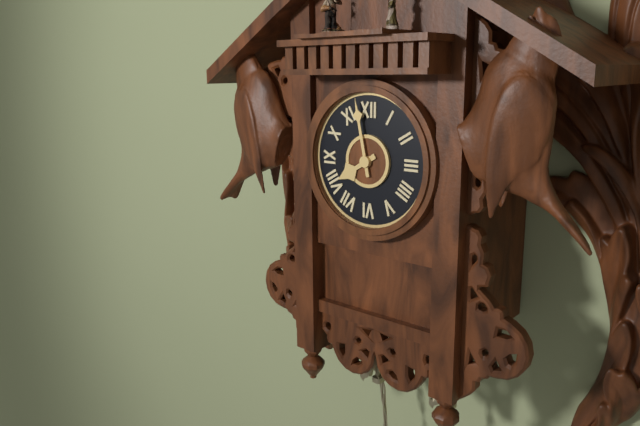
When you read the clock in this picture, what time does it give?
7:58
